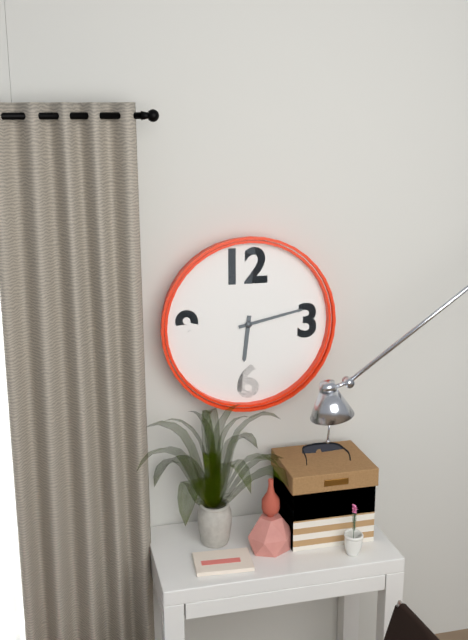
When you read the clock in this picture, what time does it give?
6:13
